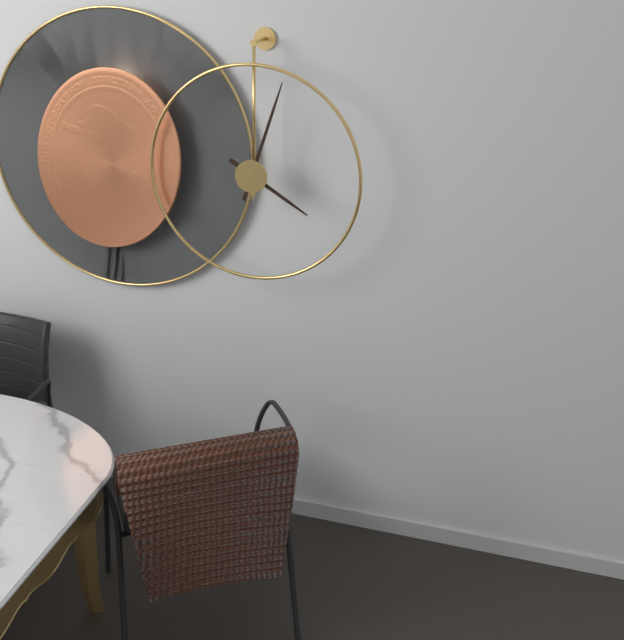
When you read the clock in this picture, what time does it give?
4:03
